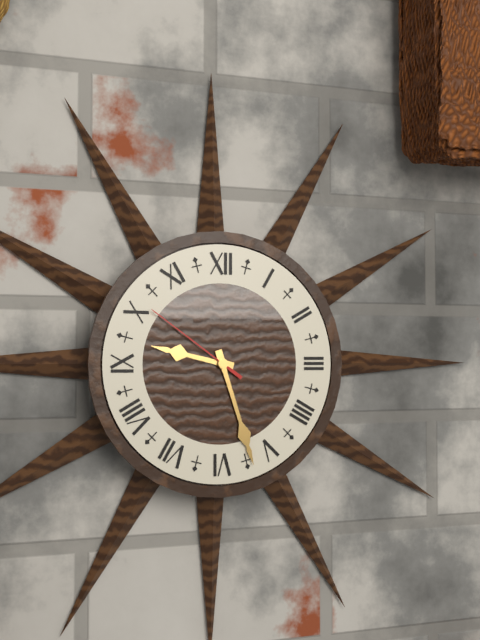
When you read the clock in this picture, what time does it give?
9:27:51
